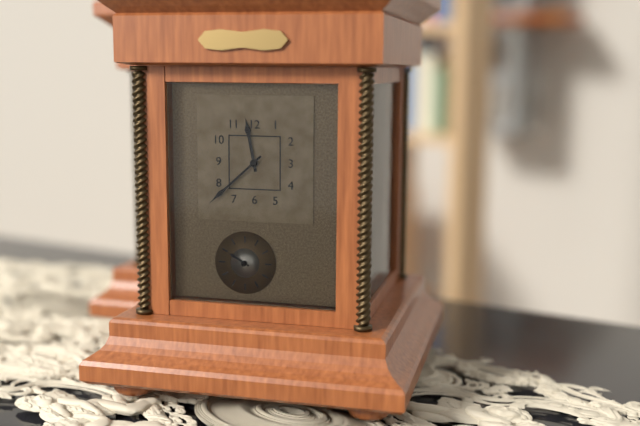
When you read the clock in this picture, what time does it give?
11:38
